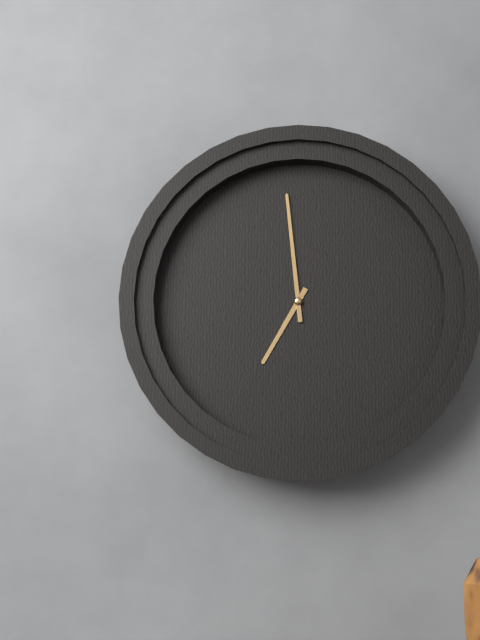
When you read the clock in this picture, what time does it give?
6:59
